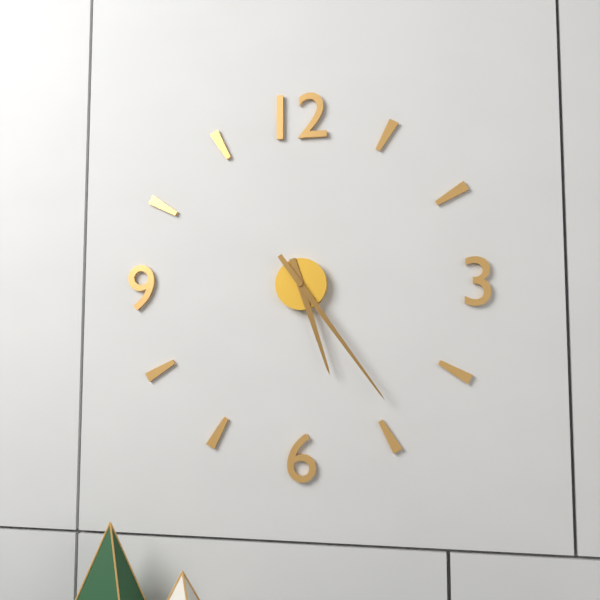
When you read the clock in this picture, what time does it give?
5:24
